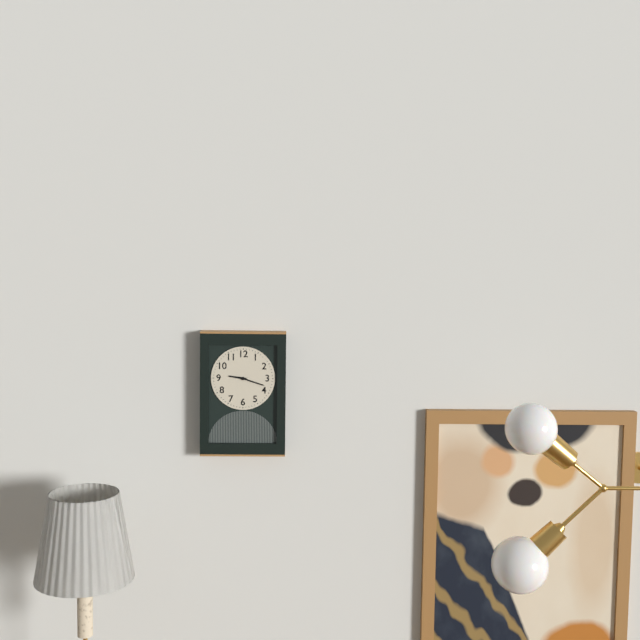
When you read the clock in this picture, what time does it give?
9:18
